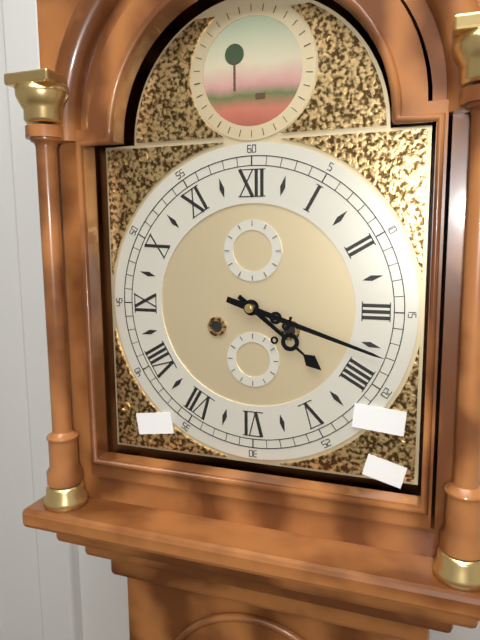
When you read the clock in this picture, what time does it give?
4:18
